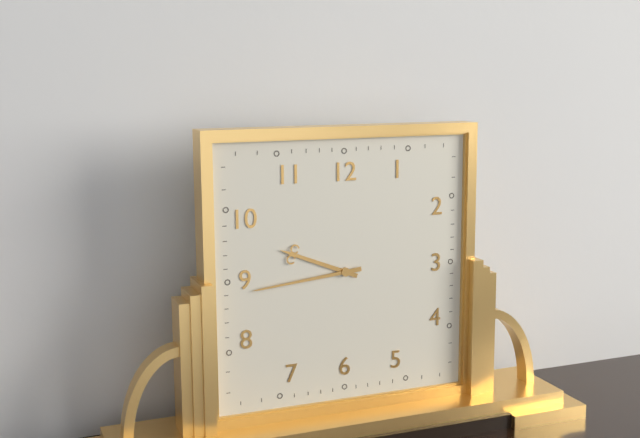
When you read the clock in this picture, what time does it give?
9:44
